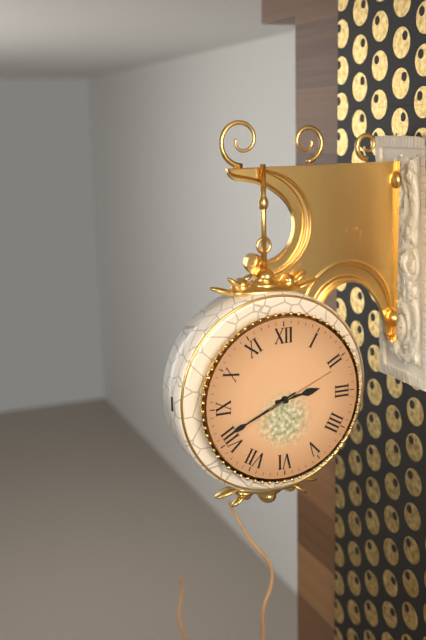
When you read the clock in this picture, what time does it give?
2:41:11
